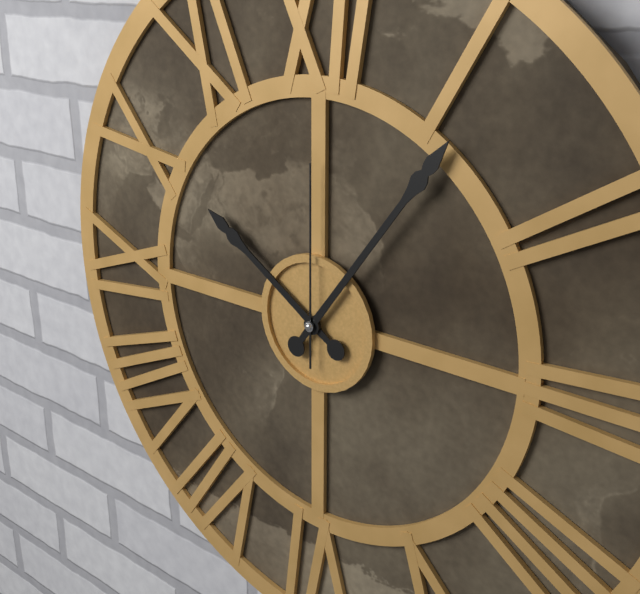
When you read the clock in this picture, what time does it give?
10:06:00
